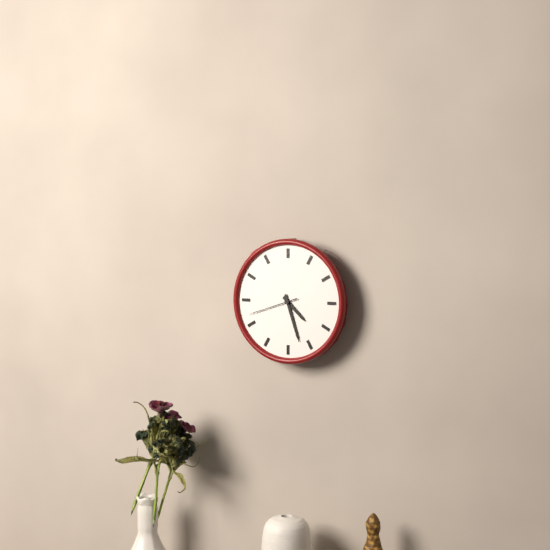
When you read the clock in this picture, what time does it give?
4:27:42
